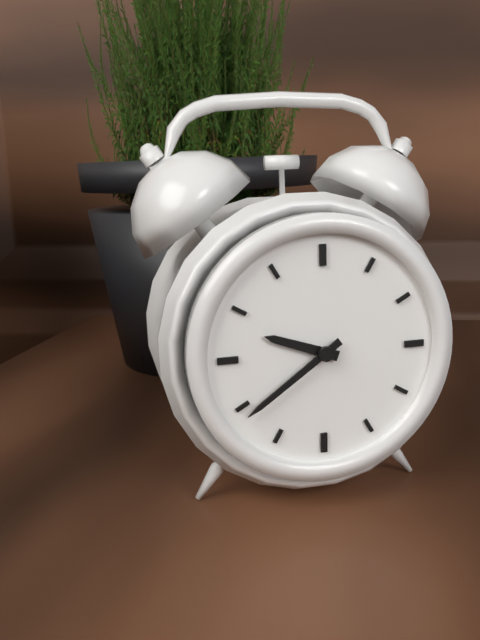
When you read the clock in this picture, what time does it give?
9:39
